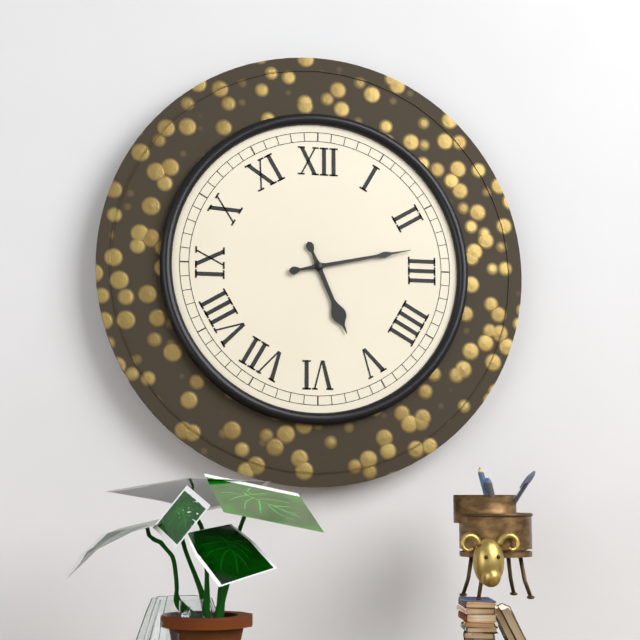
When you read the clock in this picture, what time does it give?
5:13
